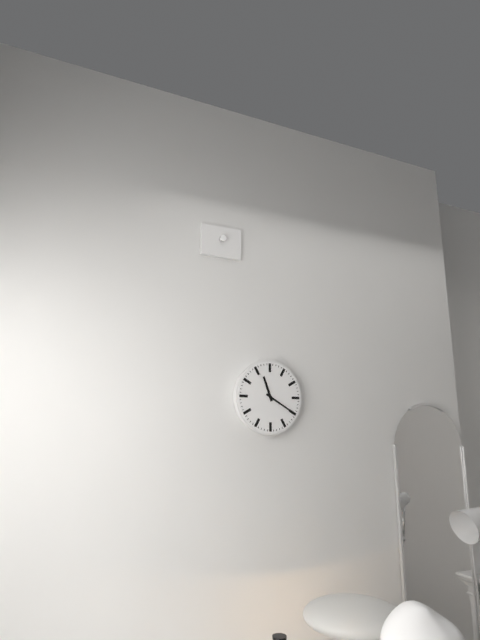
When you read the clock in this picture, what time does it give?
11:20
